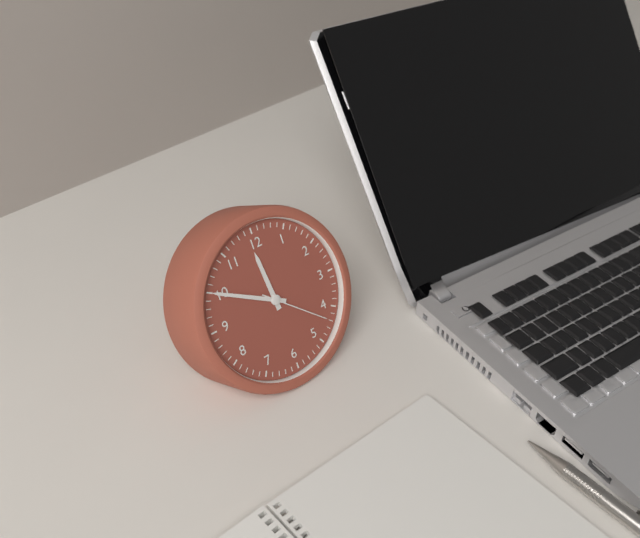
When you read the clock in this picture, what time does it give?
11:50:22
